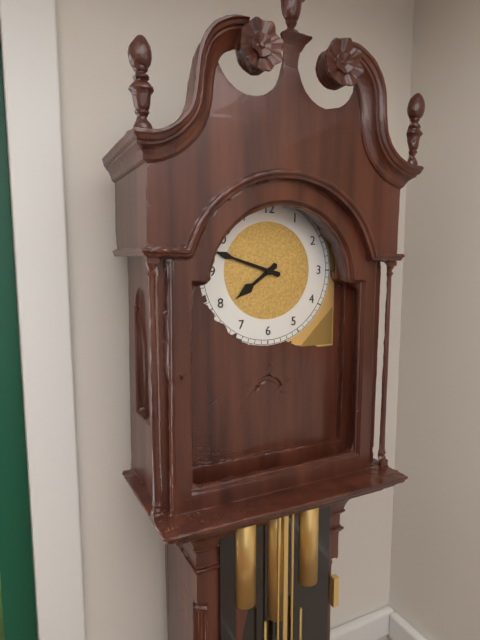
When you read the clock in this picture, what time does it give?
7:48
